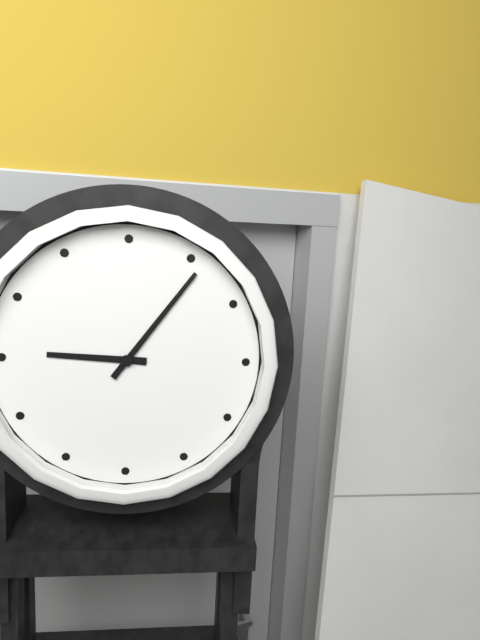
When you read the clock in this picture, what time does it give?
9:06
